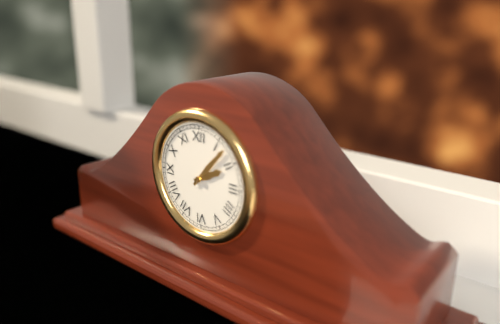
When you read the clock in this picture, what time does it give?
2:07
